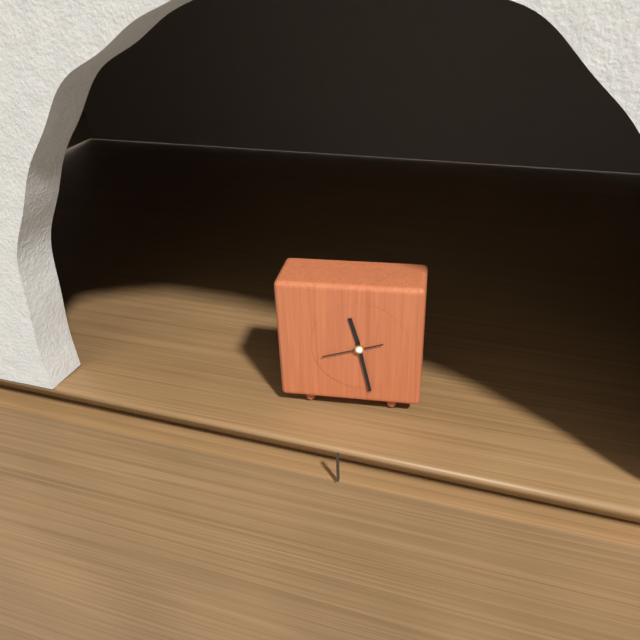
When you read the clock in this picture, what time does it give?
11:28
